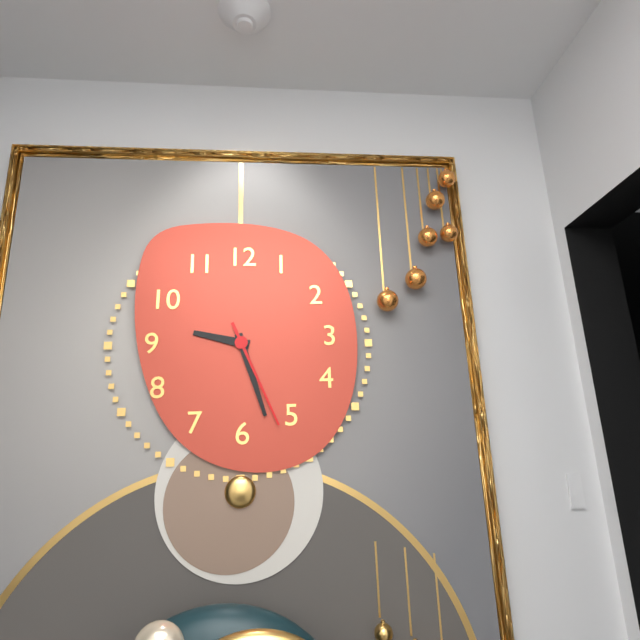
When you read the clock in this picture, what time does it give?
9:27:26
